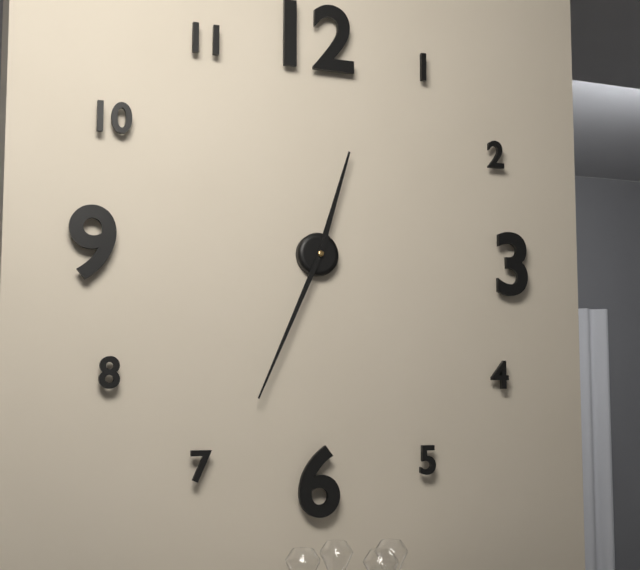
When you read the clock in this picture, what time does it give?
12:34
